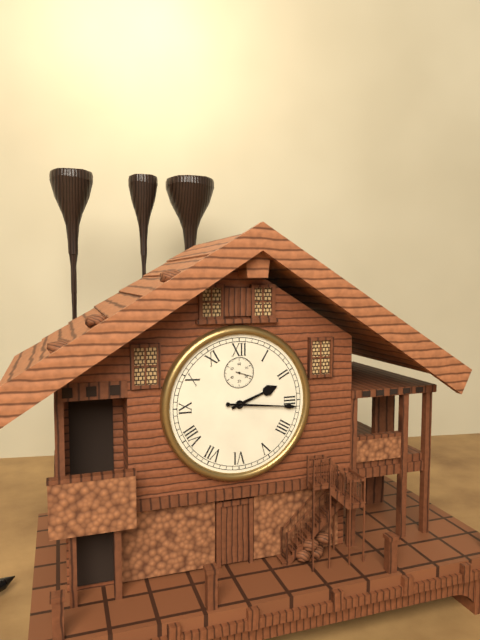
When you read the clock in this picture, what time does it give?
2:16
